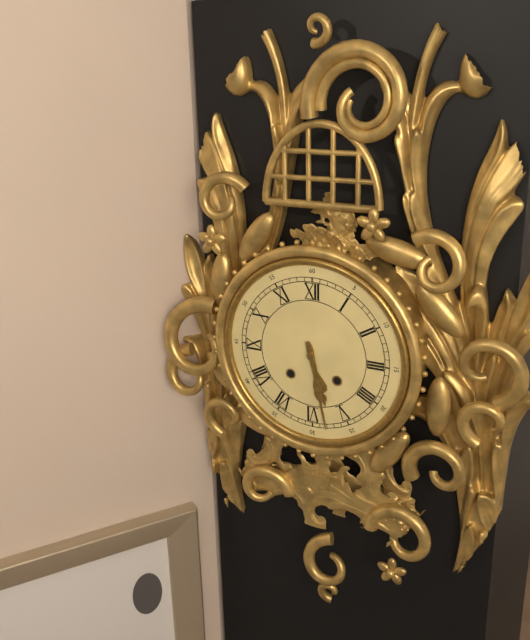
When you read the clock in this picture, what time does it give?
5:28
